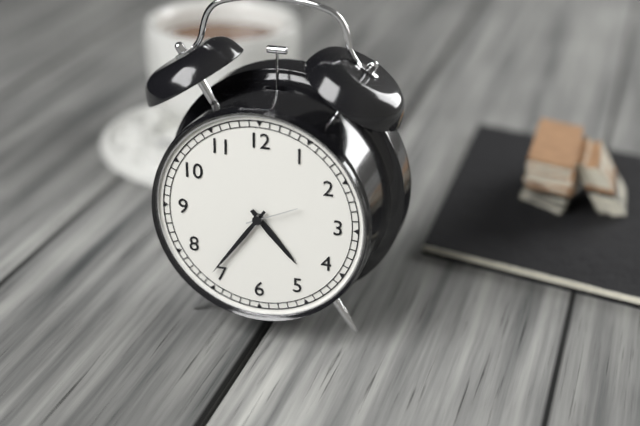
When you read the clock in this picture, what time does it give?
4:36:11
